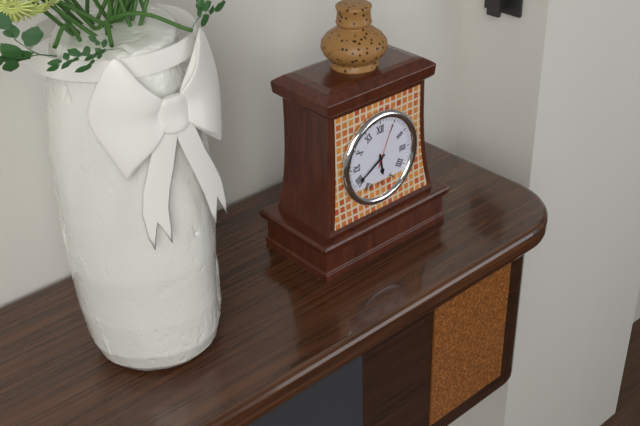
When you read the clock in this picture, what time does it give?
5:40
